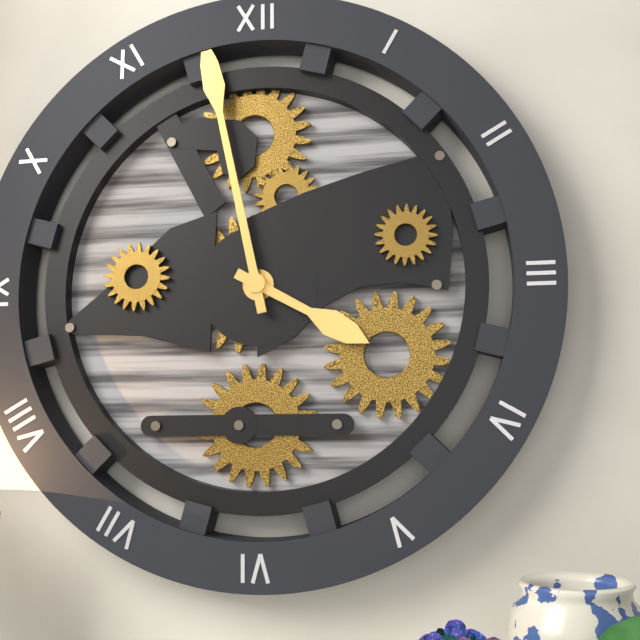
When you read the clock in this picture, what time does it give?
3:58
